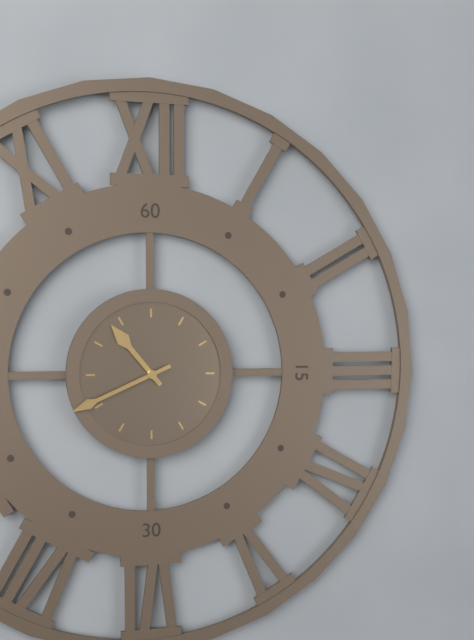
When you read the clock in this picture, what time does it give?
10:41
